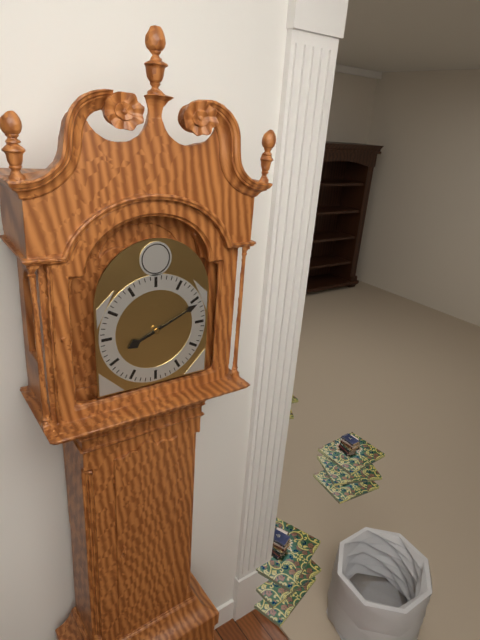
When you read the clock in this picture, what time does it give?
8:11
